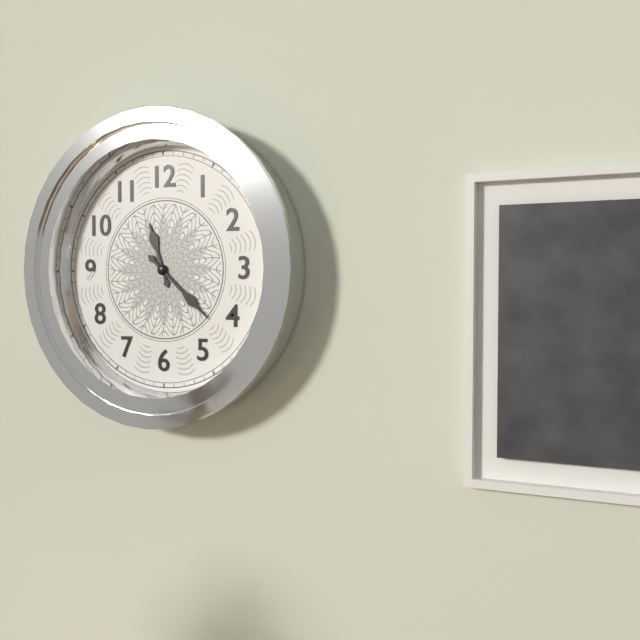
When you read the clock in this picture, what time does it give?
11:22
